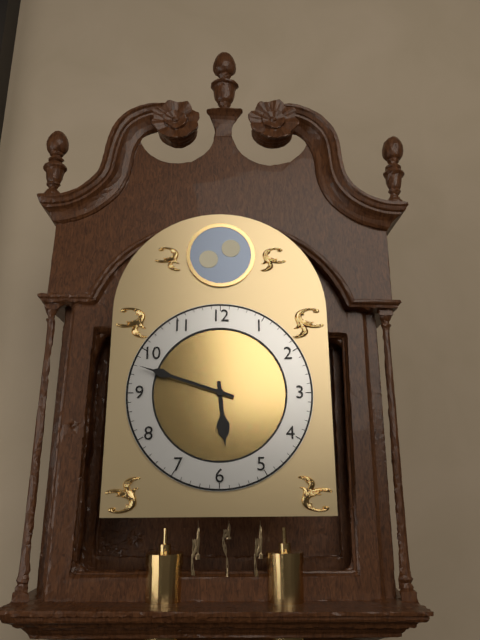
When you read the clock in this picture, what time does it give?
5:48
